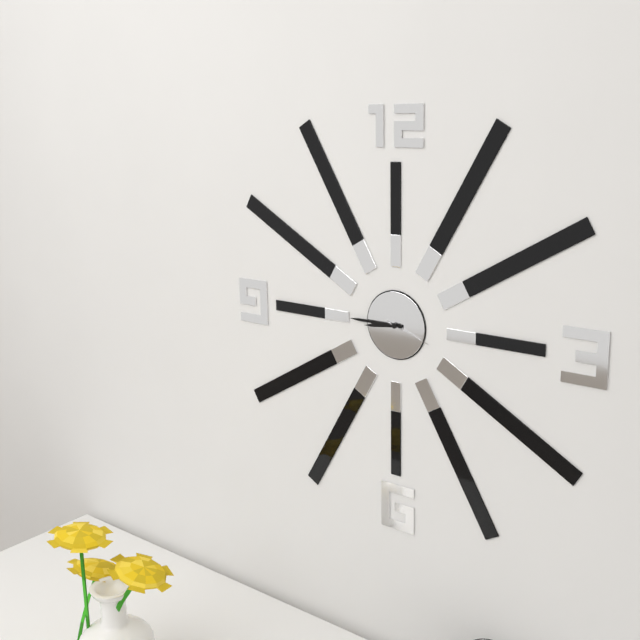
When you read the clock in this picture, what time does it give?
8:45
